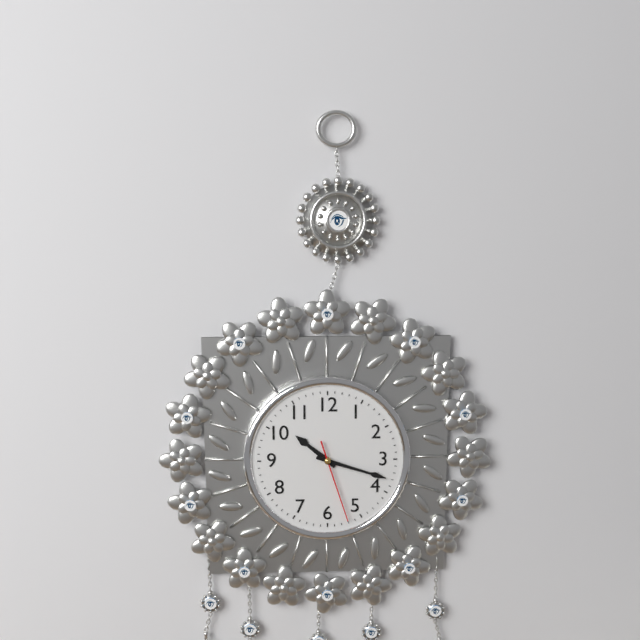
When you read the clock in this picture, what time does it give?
10:18:27
